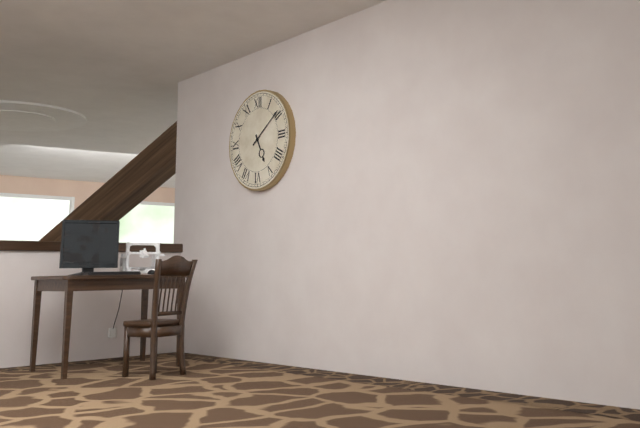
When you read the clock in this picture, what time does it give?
5:09
